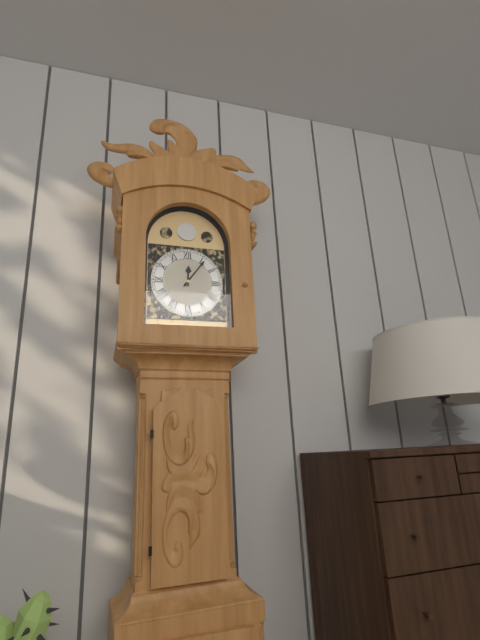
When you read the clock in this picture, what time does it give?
12:06
